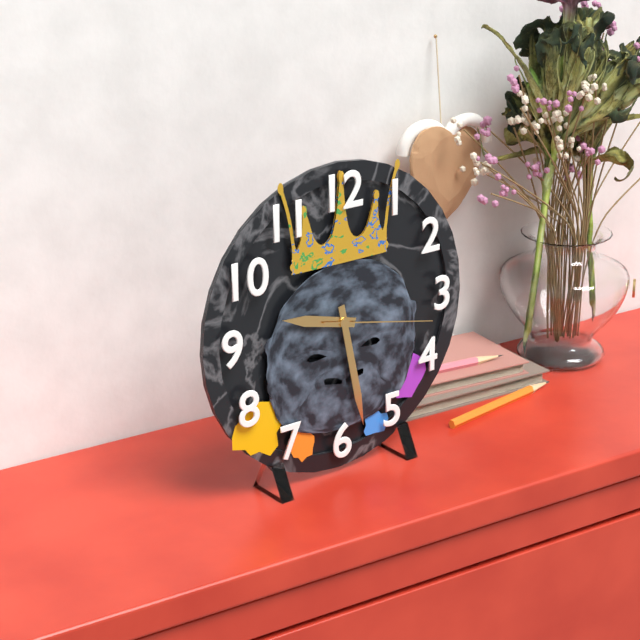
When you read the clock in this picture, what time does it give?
9:28:17
